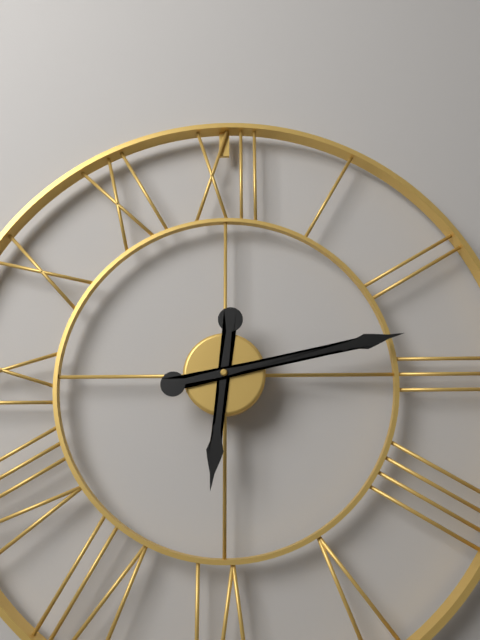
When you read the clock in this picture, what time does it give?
6:13
